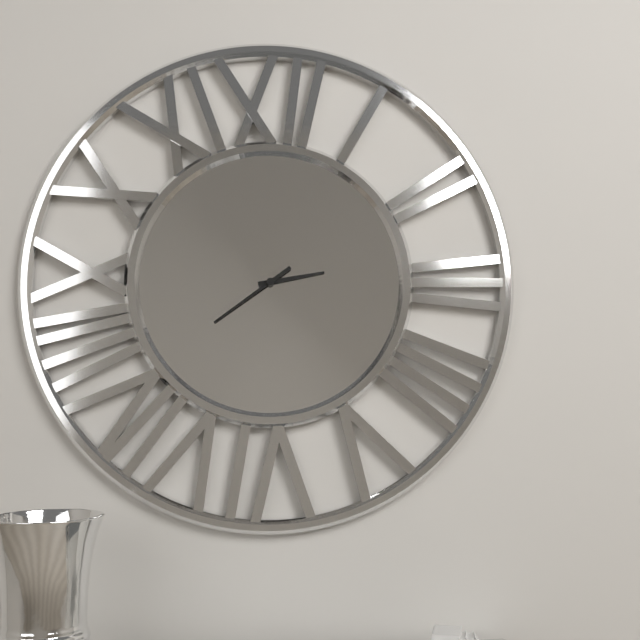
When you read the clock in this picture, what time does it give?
2:39
